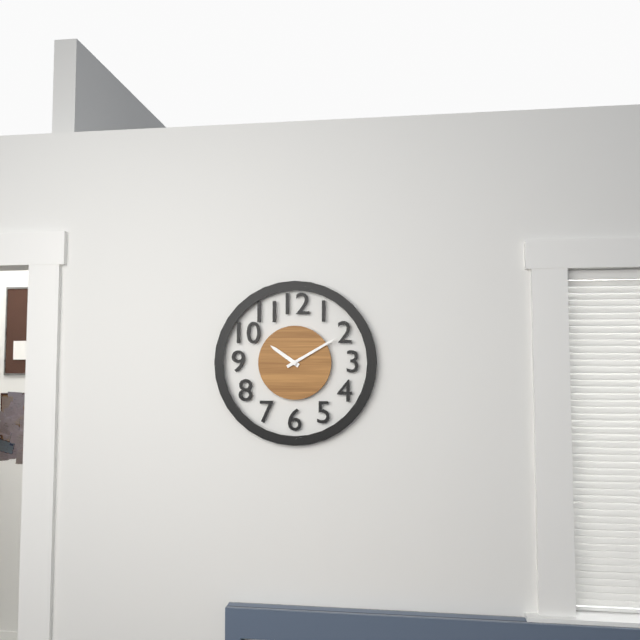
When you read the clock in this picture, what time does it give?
10:10
